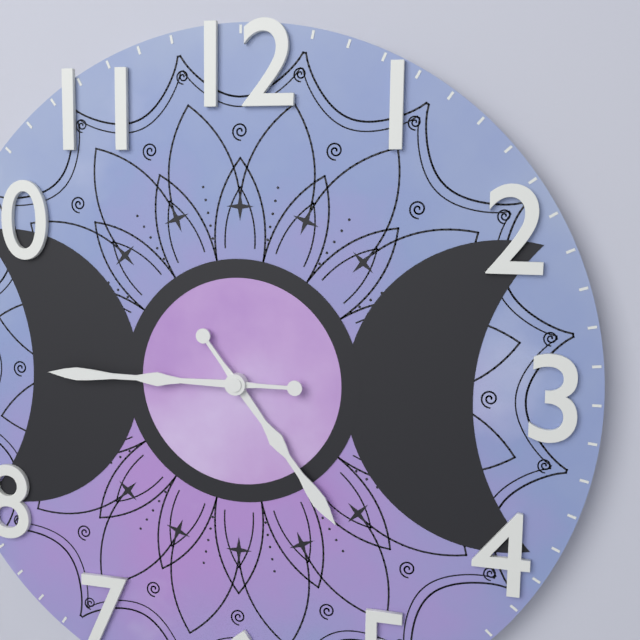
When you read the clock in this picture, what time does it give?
4:45
